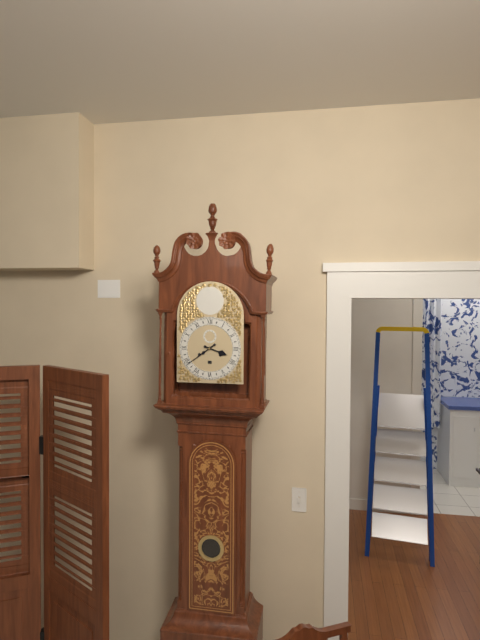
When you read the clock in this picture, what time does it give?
3:39
